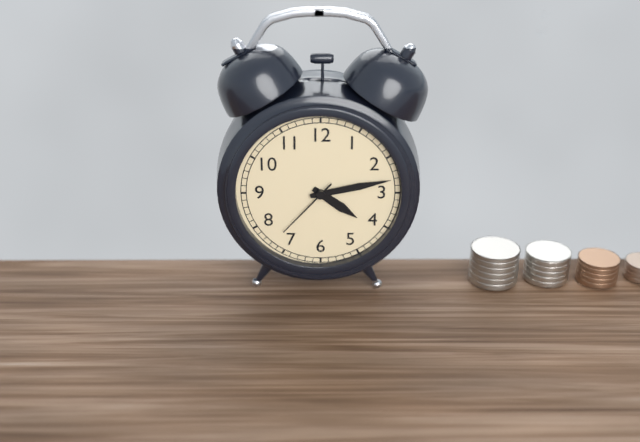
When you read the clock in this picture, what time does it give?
4:13:37
